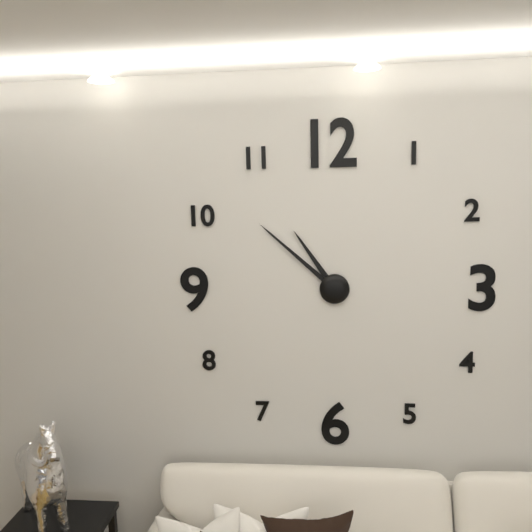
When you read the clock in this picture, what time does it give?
10:52
